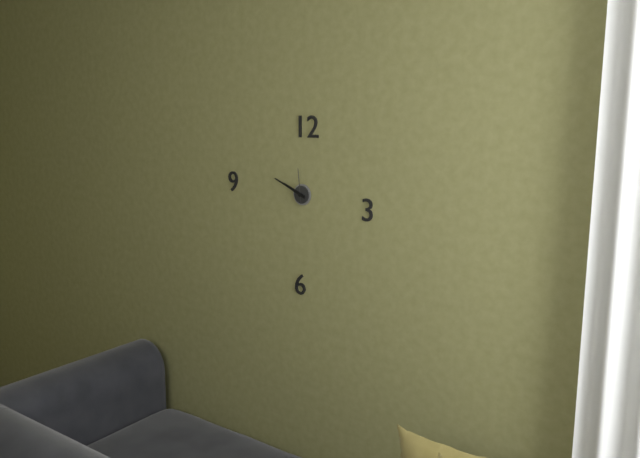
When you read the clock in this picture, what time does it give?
9:49
